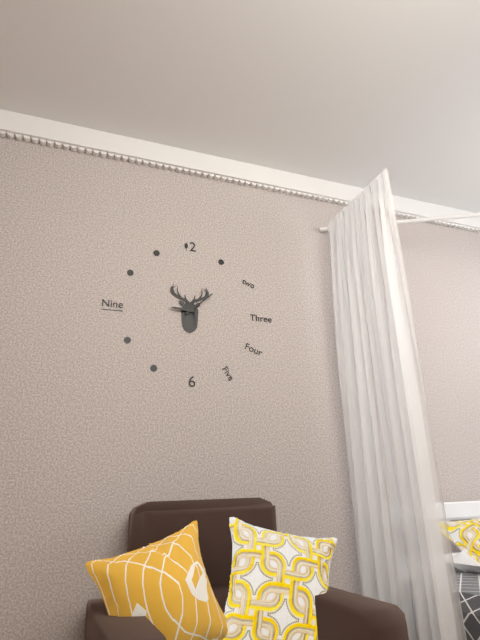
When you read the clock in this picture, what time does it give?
9:08
